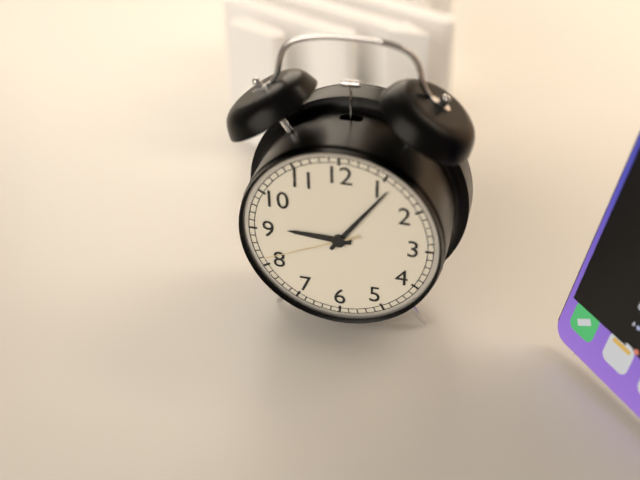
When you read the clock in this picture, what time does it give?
9:06:41
